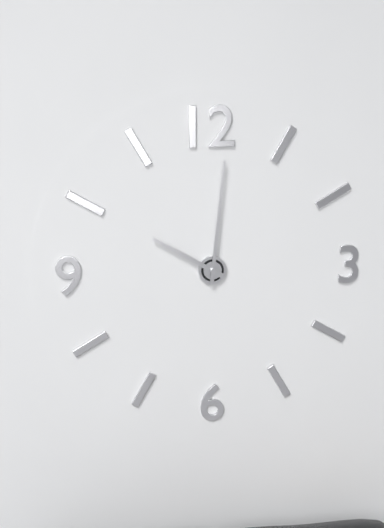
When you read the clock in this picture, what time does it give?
10:01
